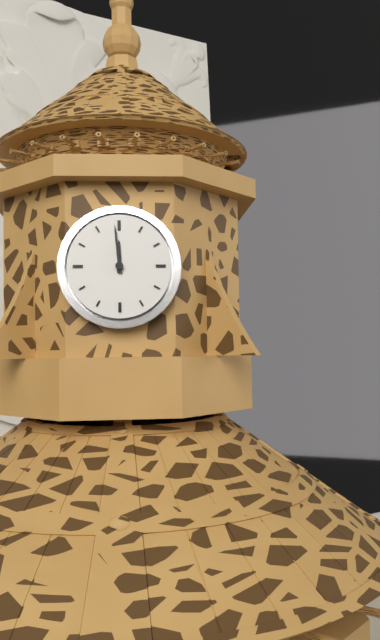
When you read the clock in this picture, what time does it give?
11:59
